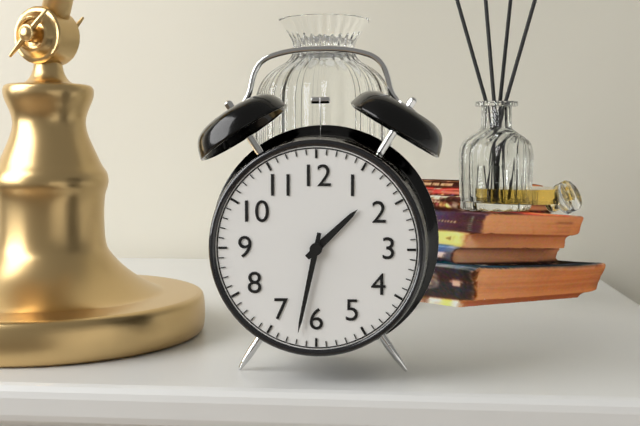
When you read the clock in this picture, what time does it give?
1:32
